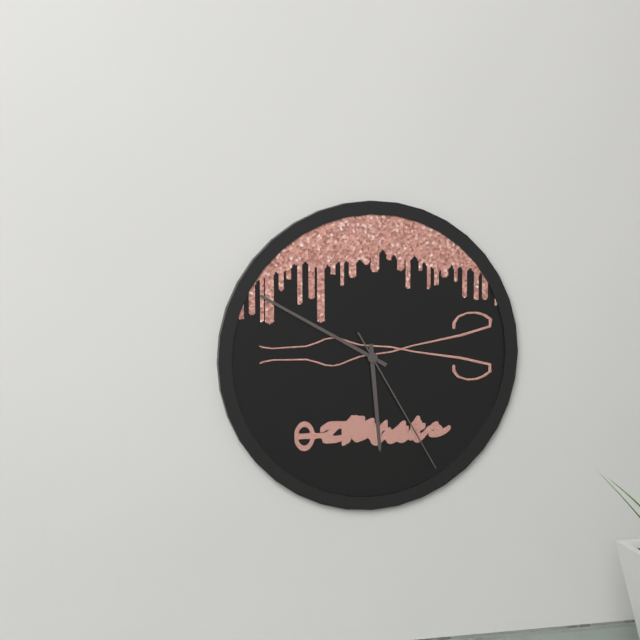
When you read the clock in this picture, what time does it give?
5:50:25
